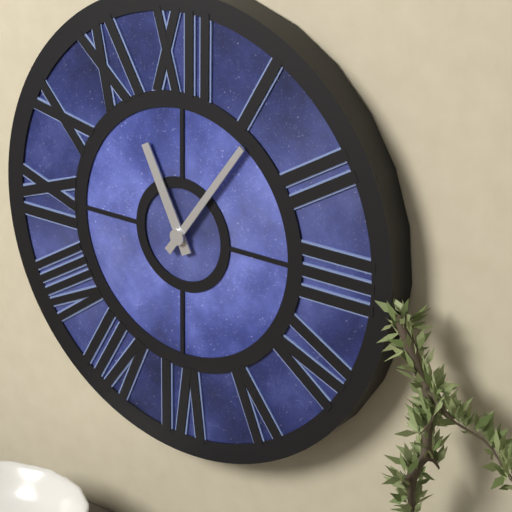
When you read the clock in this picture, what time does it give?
11:06
